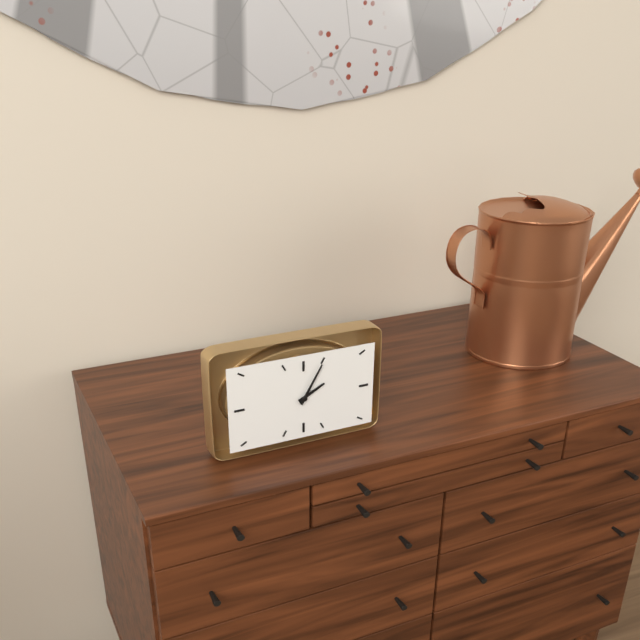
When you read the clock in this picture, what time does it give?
2:05
